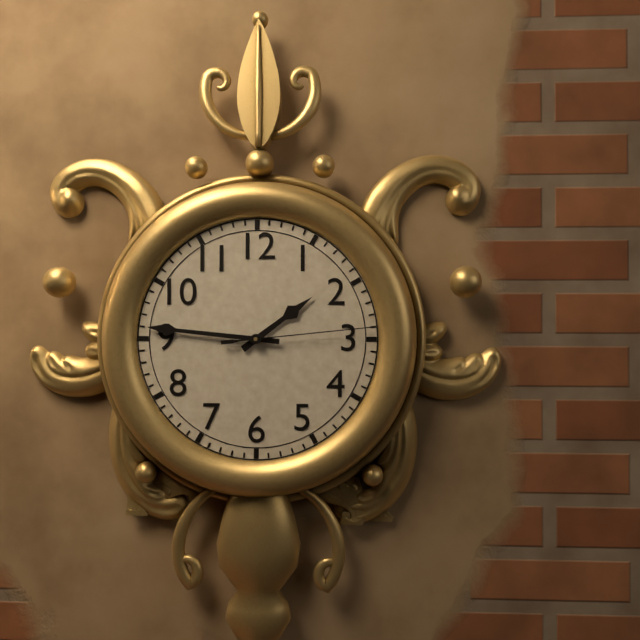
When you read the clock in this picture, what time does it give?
1:46:14
